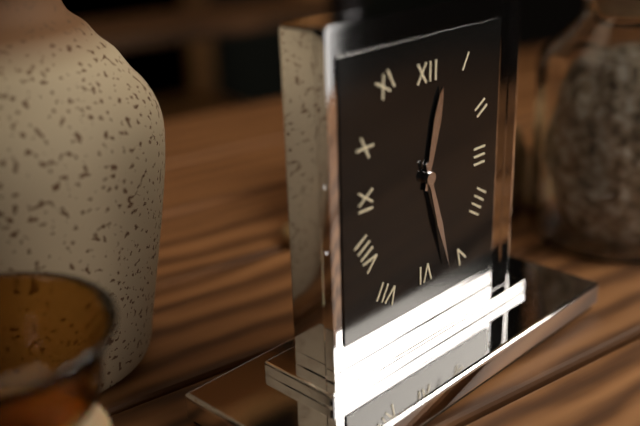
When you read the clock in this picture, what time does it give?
12:27
